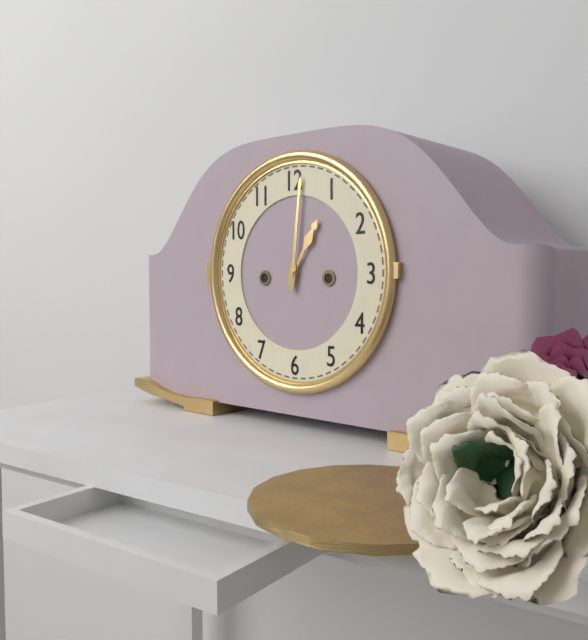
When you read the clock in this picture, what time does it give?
1:01
